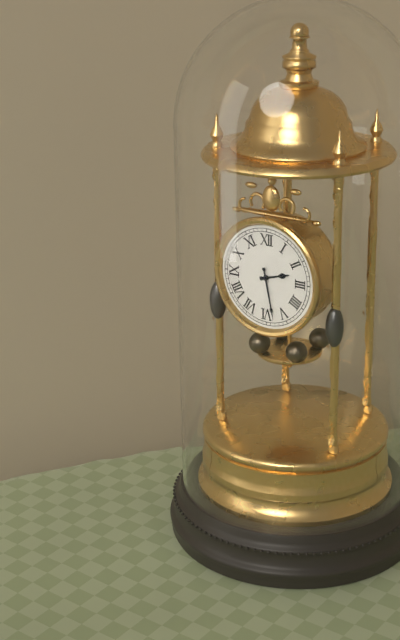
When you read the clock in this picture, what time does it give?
2:28
